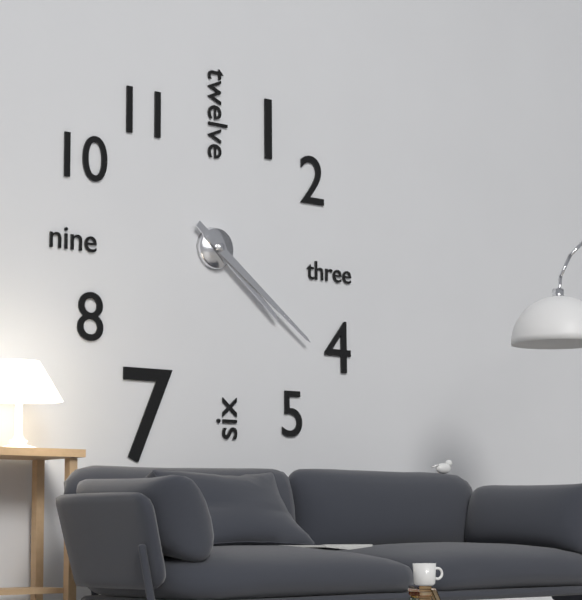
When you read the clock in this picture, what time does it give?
4:21
